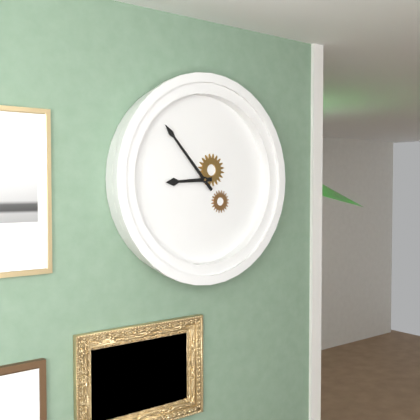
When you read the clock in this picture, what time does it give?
8:53
